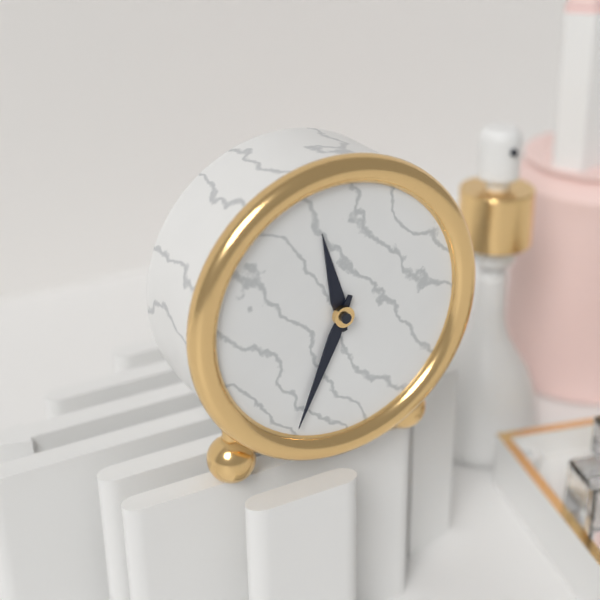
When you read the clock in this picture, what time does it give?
11:34
